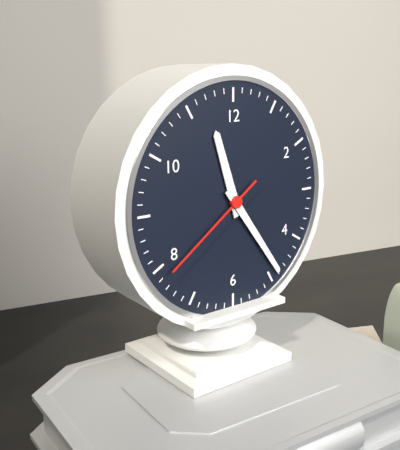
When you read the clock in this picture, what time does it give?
11:24:39
